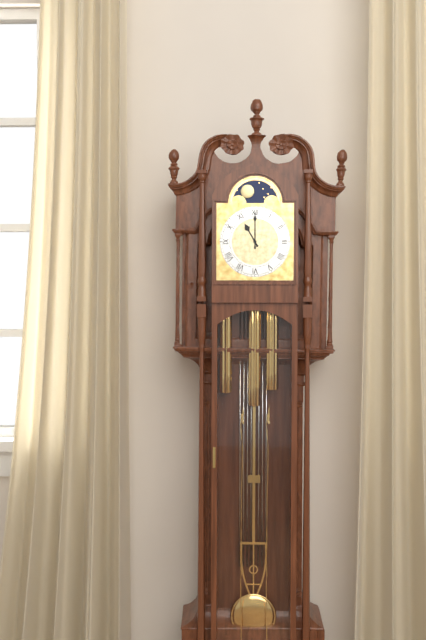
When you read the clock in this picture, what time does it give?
11:00
